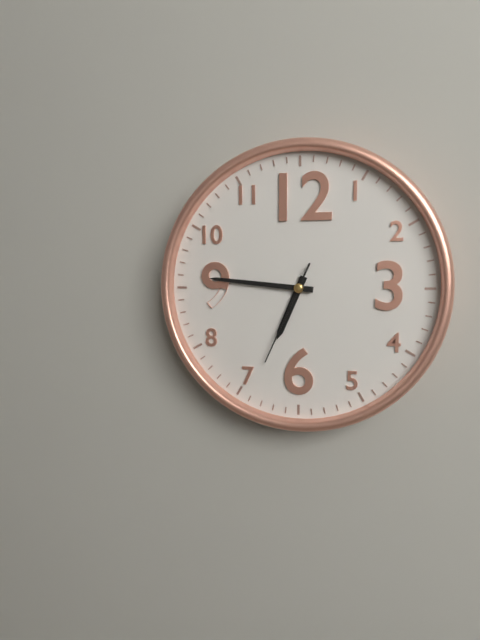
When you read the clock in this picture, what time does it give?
6:46:34
